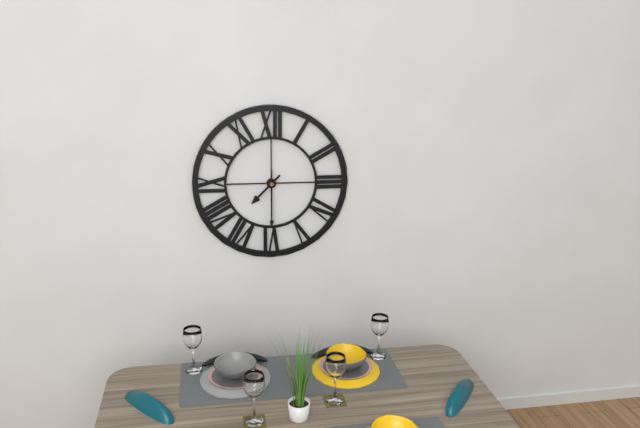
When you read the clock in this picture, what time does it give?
7:30
